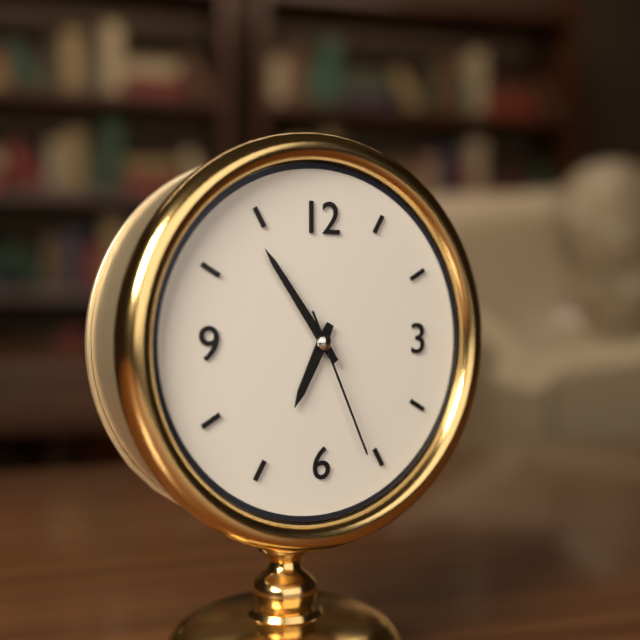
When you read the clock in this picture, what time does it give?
6:54:26
